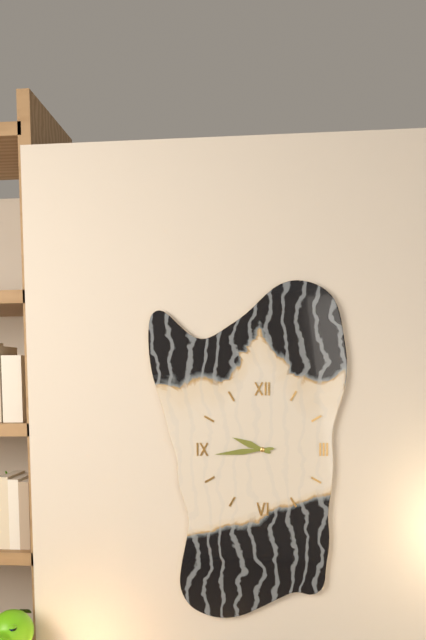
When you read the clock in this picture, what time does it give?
9:44
